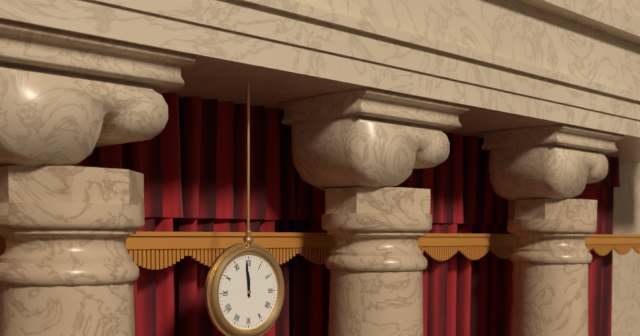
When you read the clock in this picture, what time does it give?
11:59
